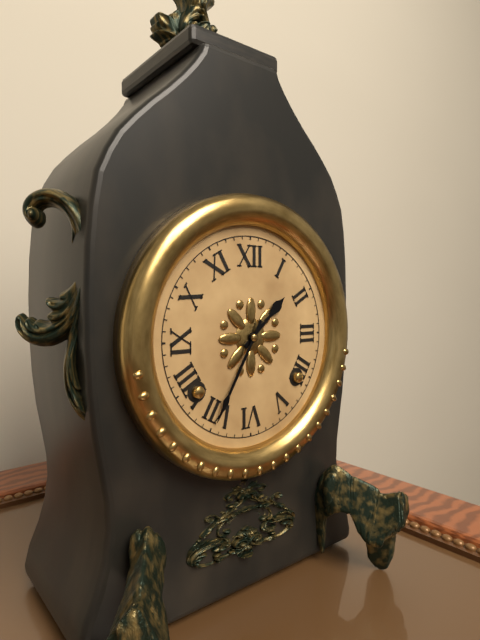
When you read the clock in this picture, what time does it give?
1:35
